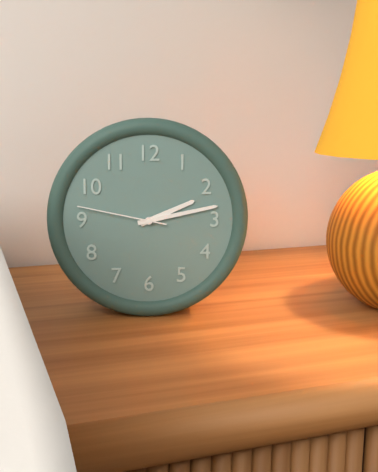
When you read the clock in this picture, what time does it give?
2:13:47
